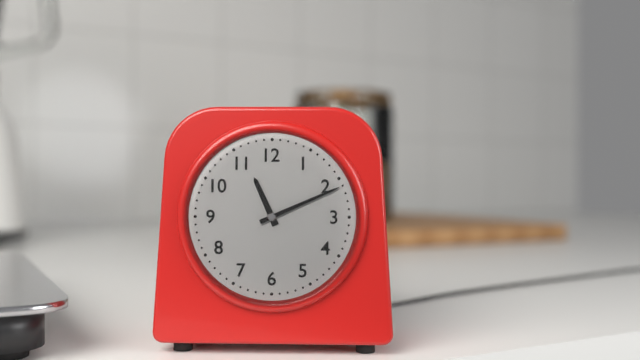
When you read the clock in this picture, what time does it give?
11:11
